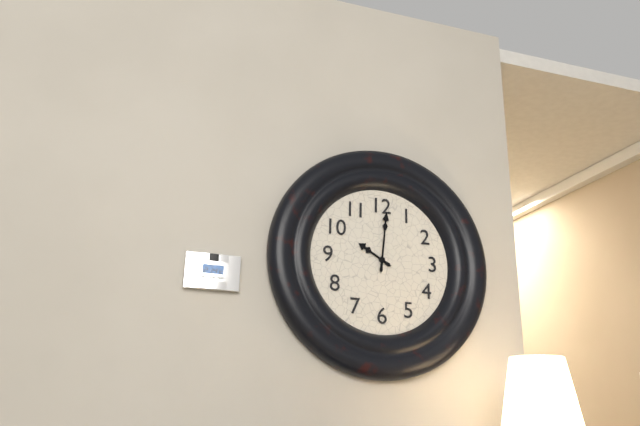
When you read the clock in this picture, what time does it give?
10:01
